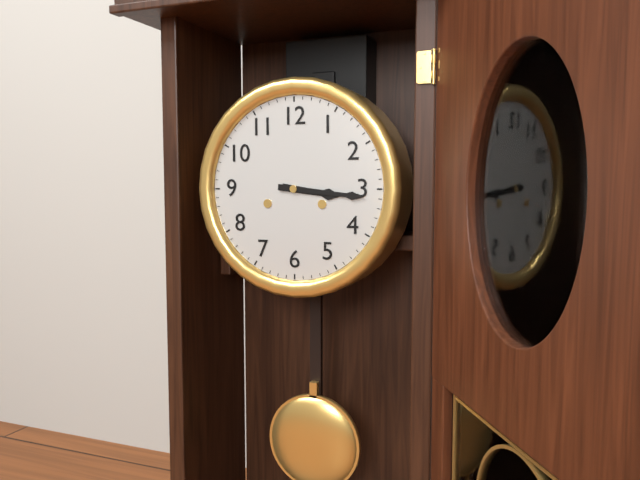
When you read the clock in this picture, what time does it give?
3:16
